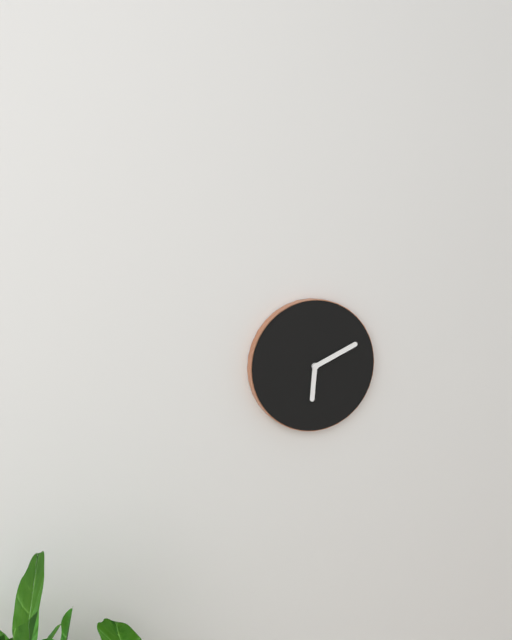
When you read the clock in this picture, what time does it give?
6:11
